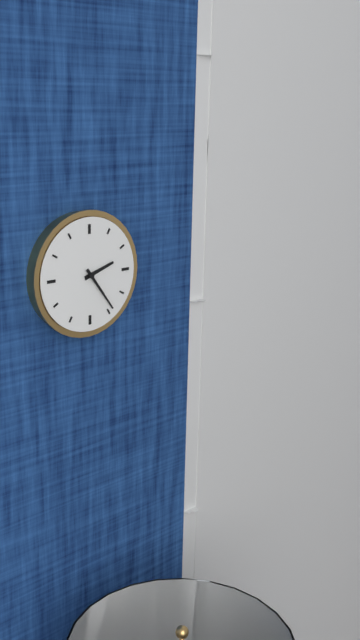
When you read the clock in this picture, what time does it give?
2:24
